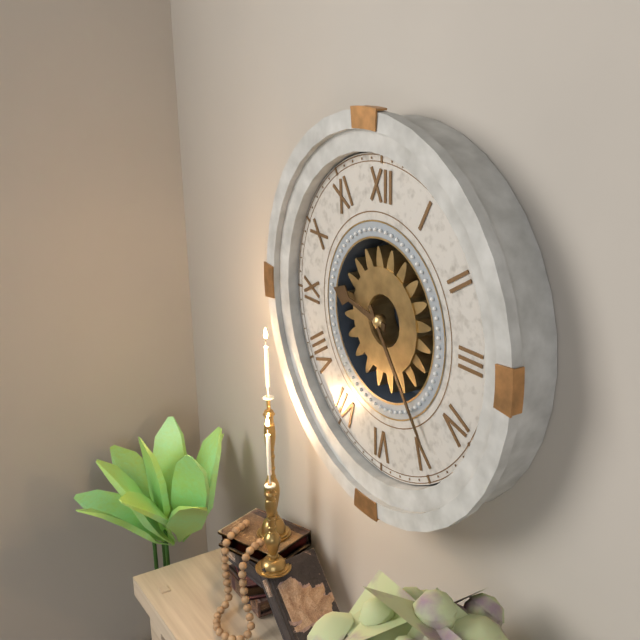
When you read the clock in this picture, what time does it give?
9:24
